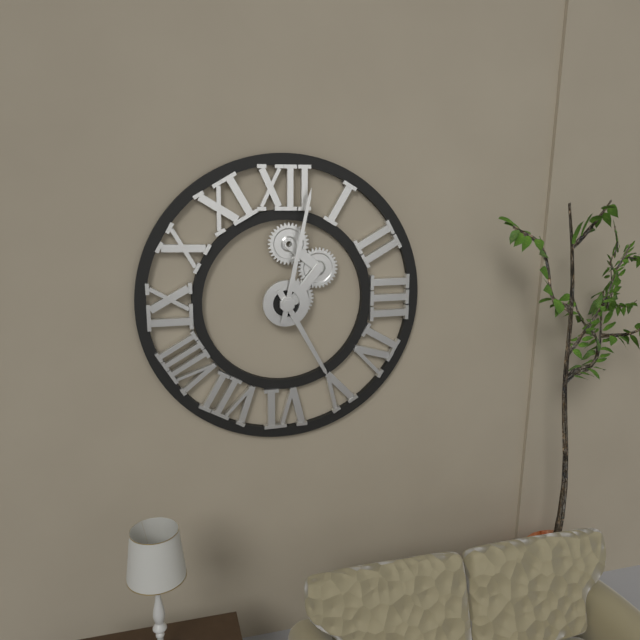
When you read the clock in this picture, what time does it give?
5:02
